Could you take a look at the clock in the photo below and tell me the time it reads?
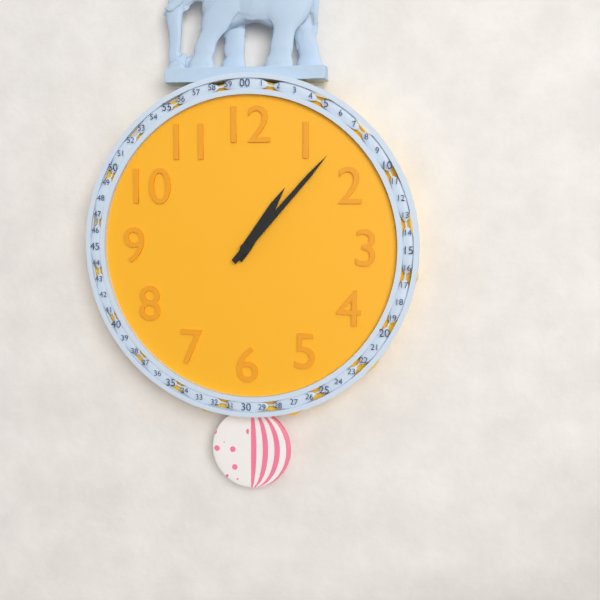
1:07
